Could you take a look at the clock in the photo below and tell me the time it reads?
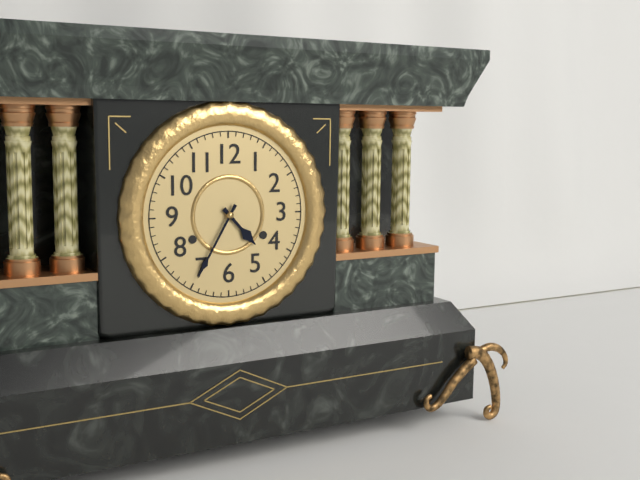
4:35
